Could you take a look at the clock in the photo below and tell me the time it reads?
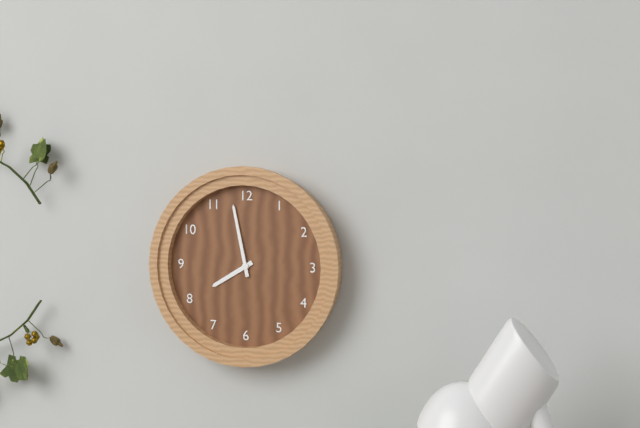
7:58
